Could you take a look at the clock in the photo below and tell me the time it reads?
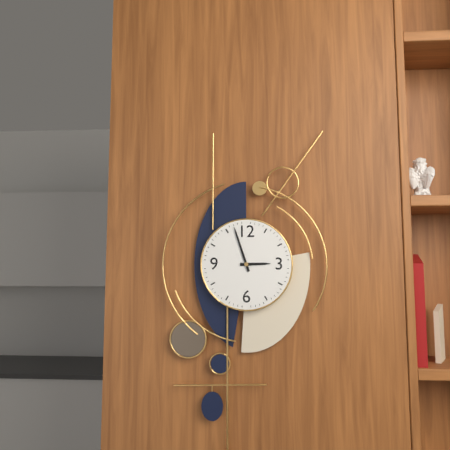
2:57
